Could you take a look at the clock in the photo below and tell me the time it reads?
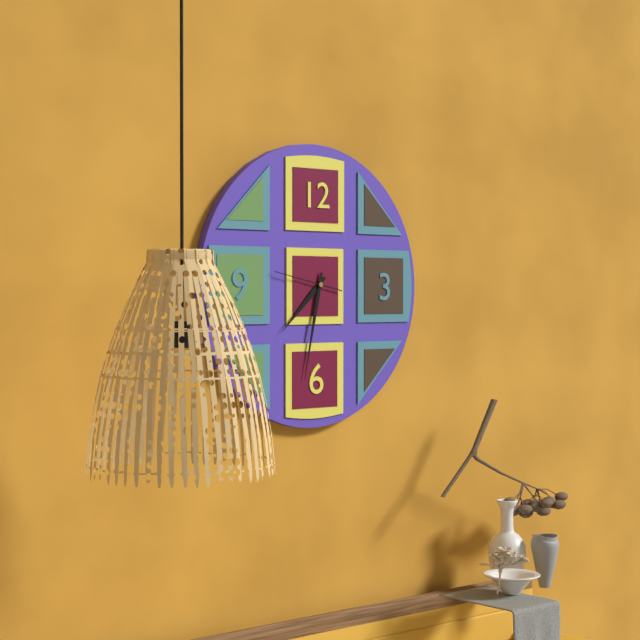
7:32:47
